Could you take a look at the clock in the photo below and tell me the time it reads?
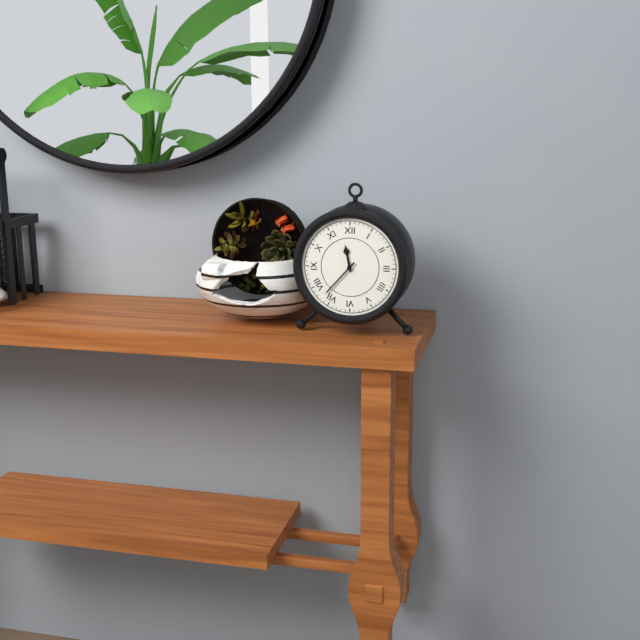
11:37
